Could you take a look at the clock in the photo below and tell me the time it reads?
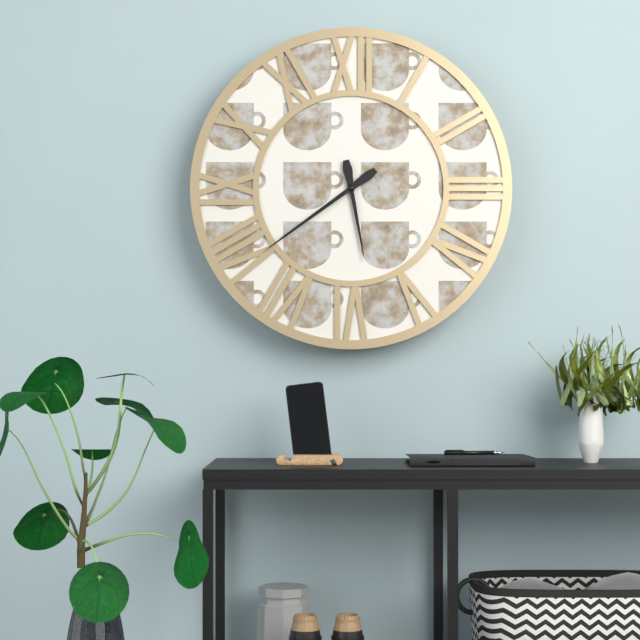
5:39
